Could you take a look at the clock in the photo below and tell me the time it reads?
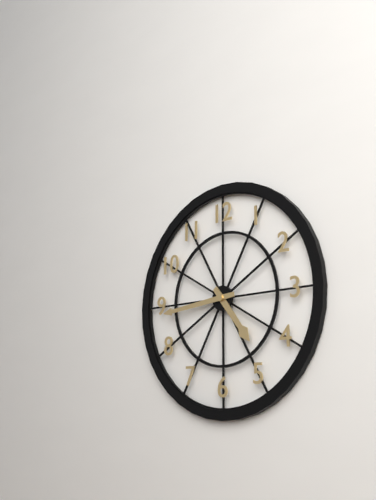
4:44
